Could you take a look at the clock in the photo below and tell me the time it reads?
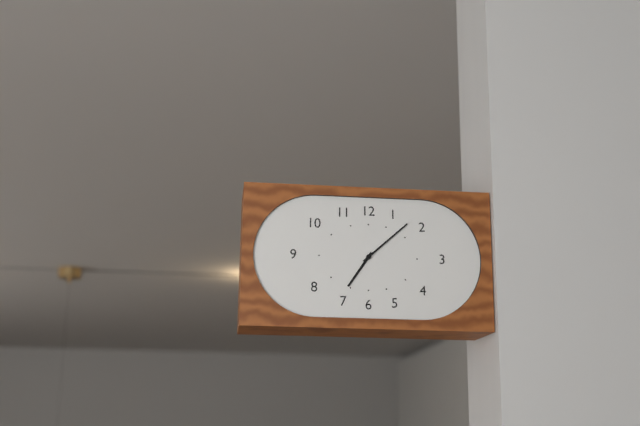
7:08
